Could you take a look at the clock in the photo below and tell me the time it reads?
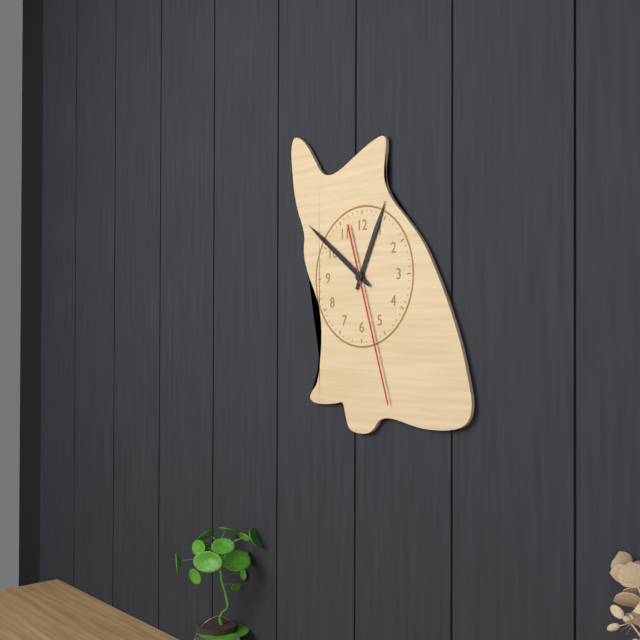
12:51:27
